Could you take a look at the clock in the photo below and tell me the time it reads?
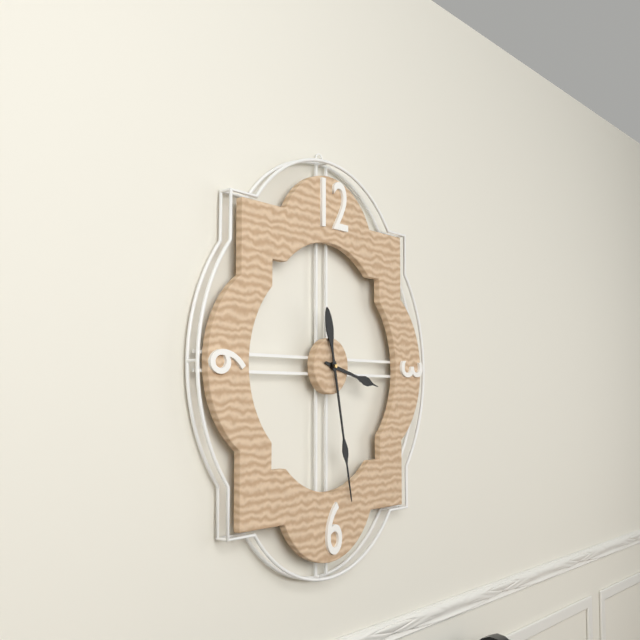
3:28
